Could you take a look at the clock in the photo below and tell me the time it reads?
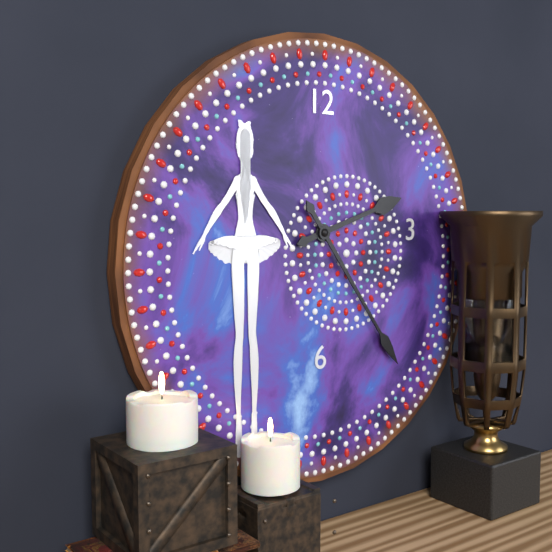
2:24
